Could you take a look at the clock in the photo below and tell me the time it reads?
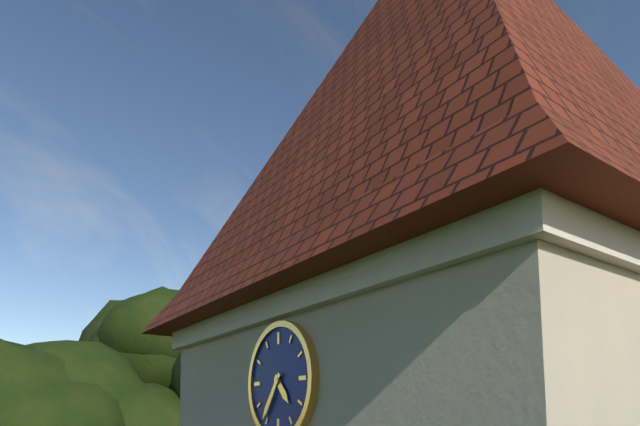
4:36
